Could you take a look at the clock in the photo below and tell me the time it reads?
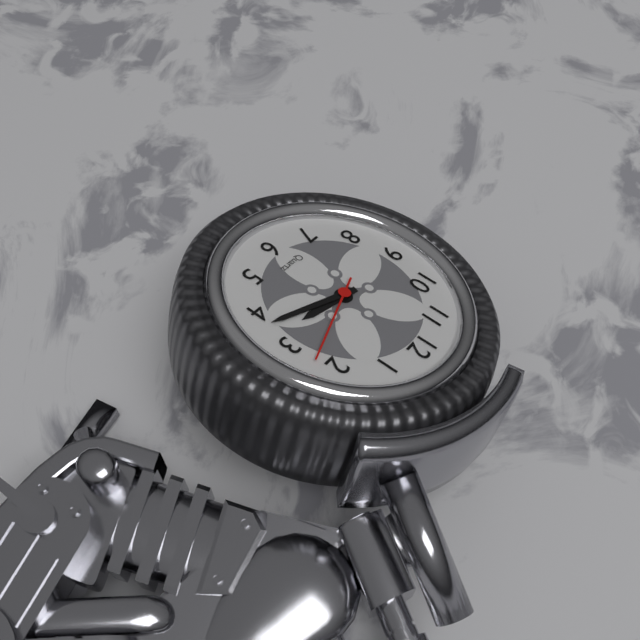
3:18
